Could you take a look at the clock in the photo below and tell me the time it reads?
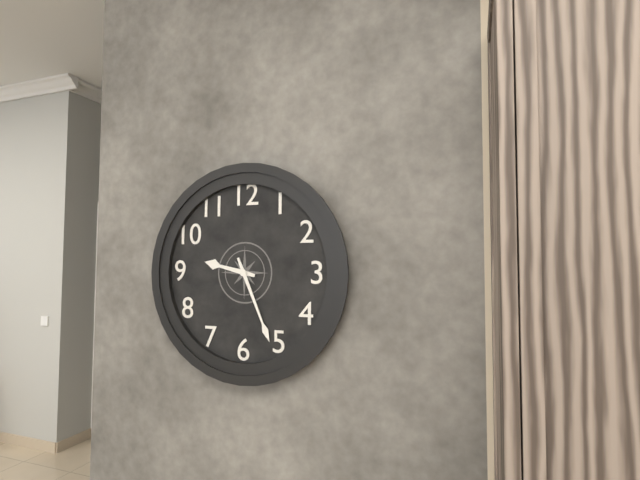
9:26
